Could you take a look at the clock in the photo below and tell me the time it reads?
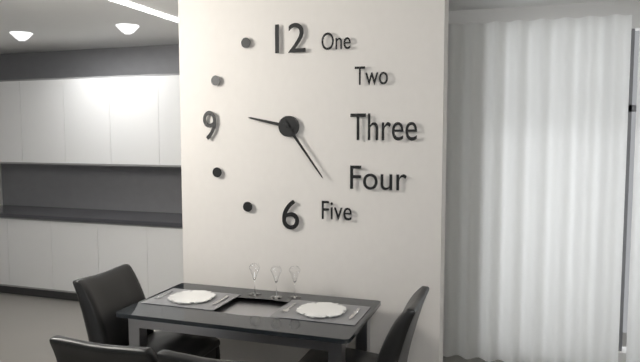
9:24
